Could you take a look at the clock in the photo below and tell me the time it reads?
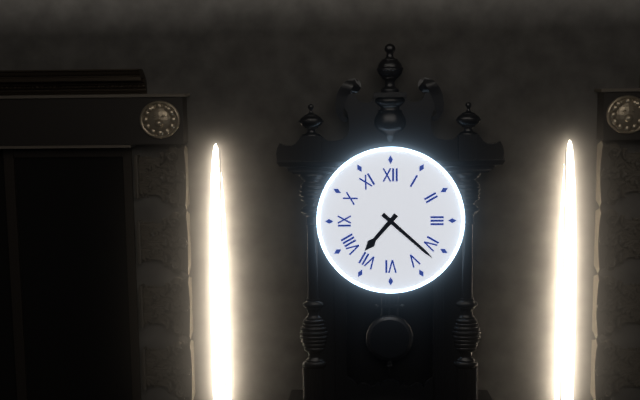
7:22
